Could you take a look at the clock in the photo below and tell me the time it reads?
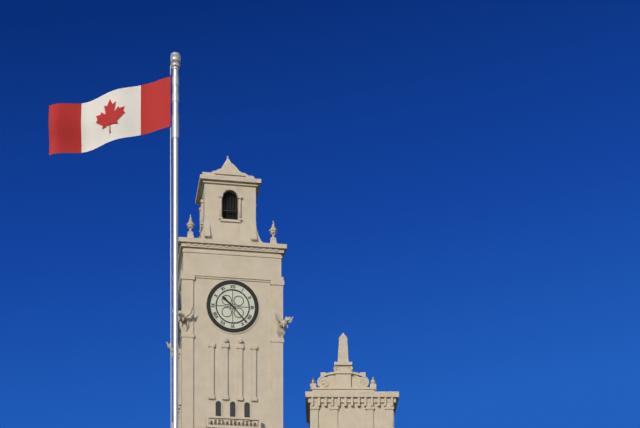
10:23
